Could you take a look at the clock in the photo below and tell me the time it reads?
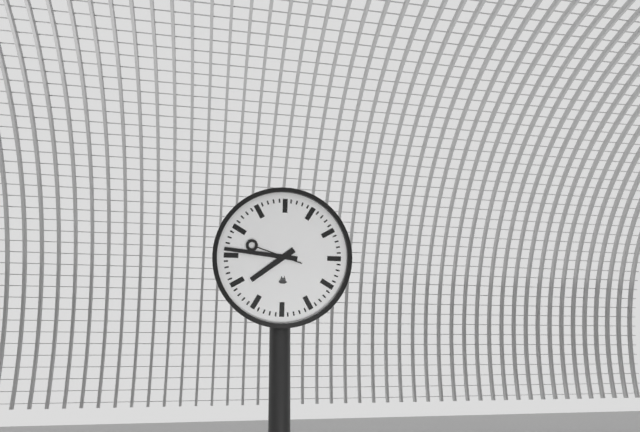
7:46
